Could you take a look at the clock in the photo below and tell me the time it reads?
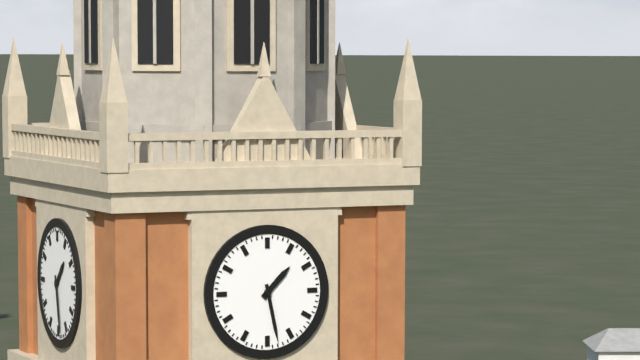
1:28
